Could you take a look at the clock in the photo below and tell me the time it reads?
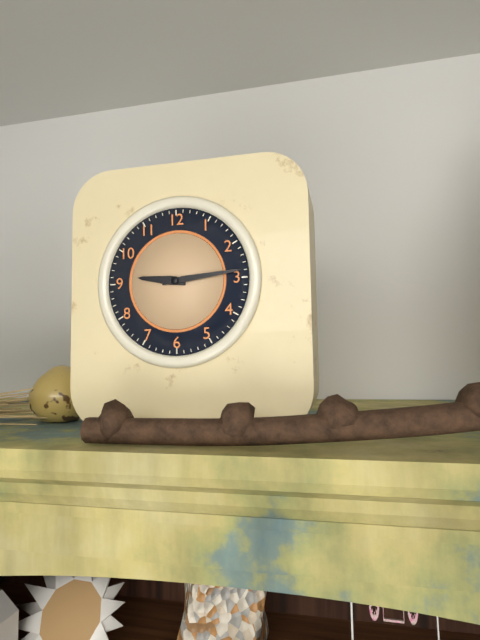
9:14
